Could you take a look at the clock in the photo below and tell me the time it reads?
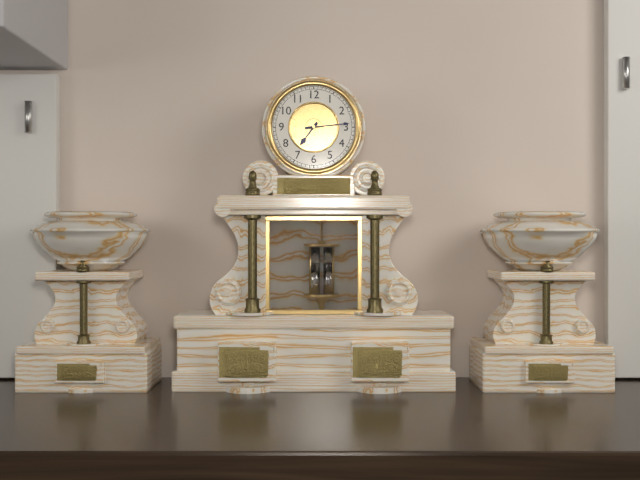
7:14
